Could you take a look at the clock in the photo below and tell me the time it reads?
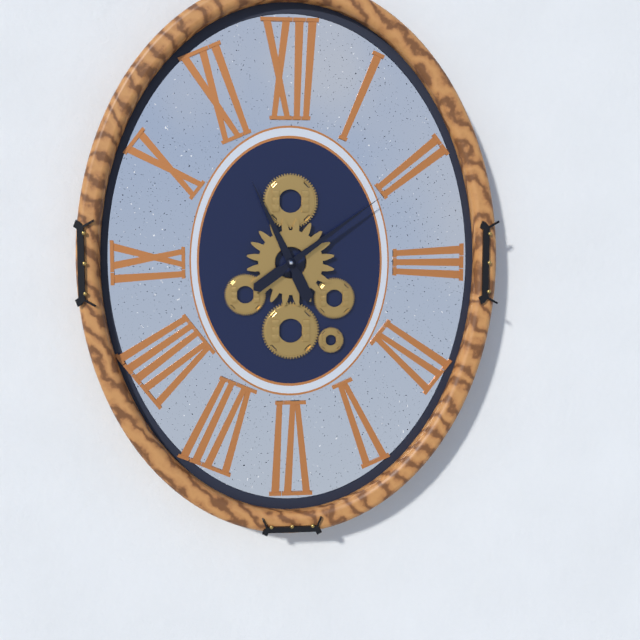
11:09
